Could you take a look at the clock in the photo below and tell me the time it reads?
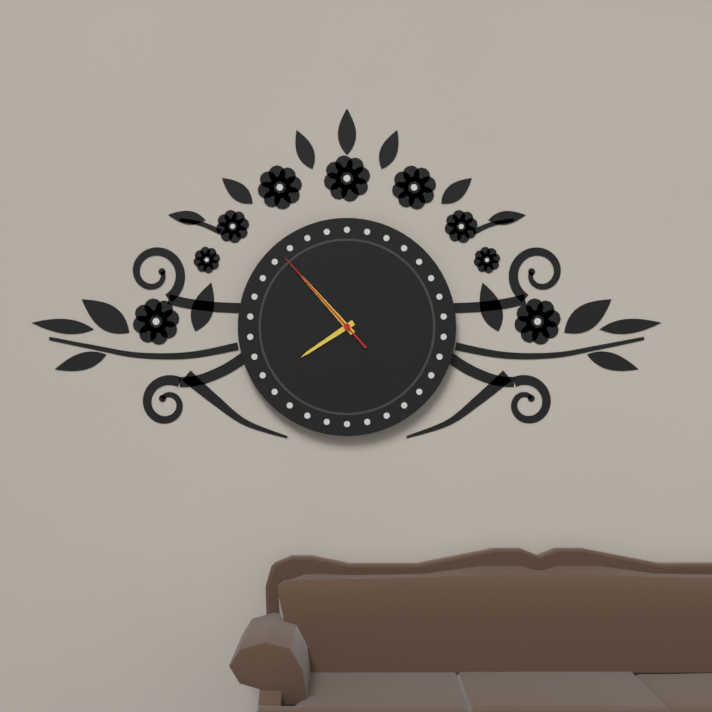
7:53:53
